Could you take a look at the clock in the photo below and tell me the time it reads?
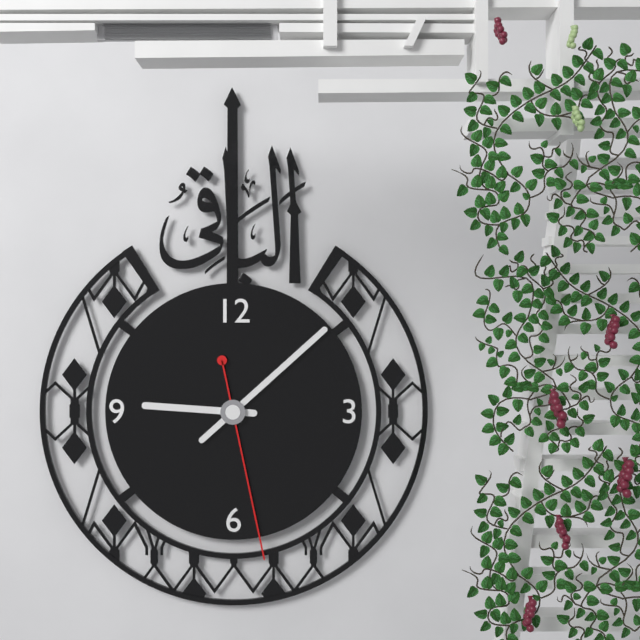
9:08:28
